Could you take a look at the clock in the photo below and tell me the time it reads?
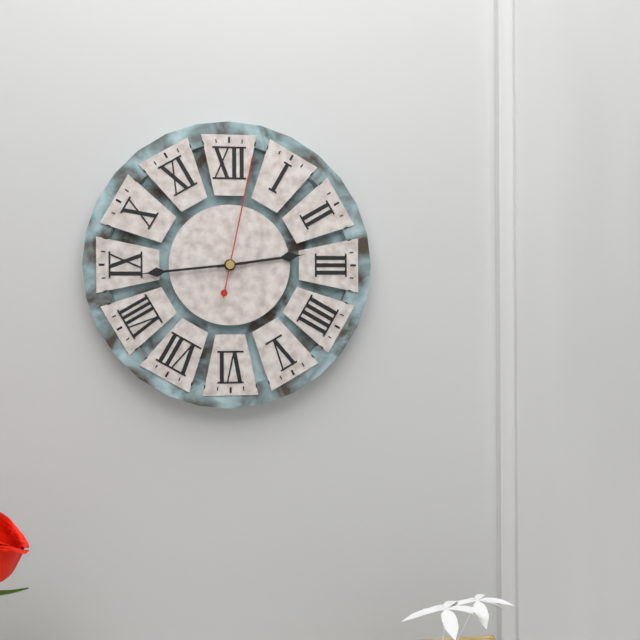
2:44:02
